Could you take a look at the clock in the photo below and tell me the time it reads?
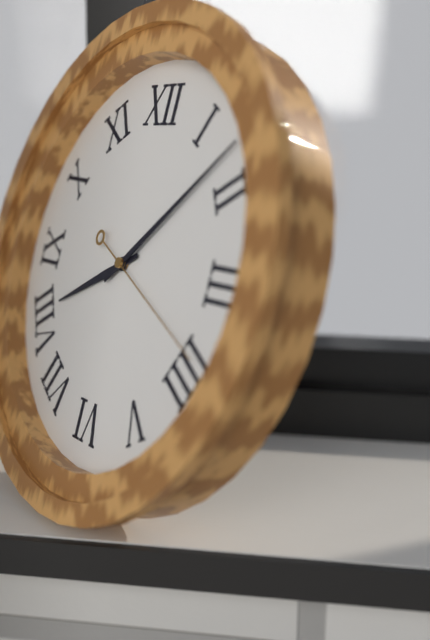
8:08:19
